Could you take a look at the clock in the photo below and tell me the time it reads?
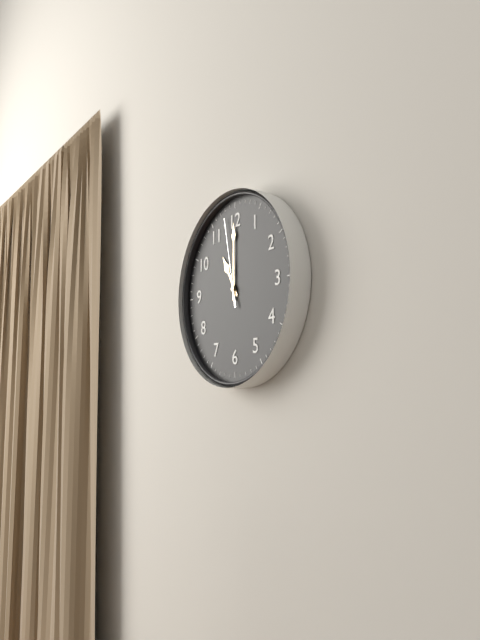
11:00:58
